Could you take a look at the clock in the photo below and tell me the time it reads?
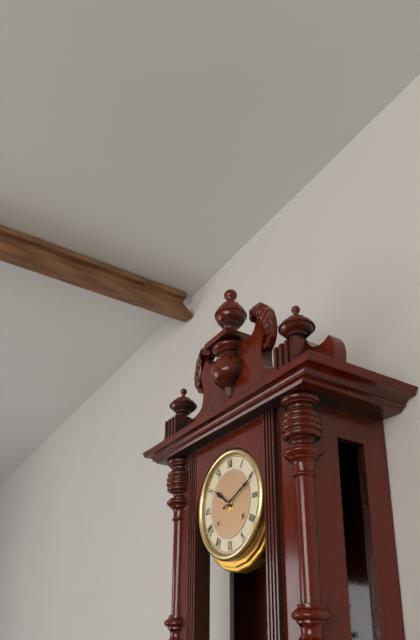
10:11
